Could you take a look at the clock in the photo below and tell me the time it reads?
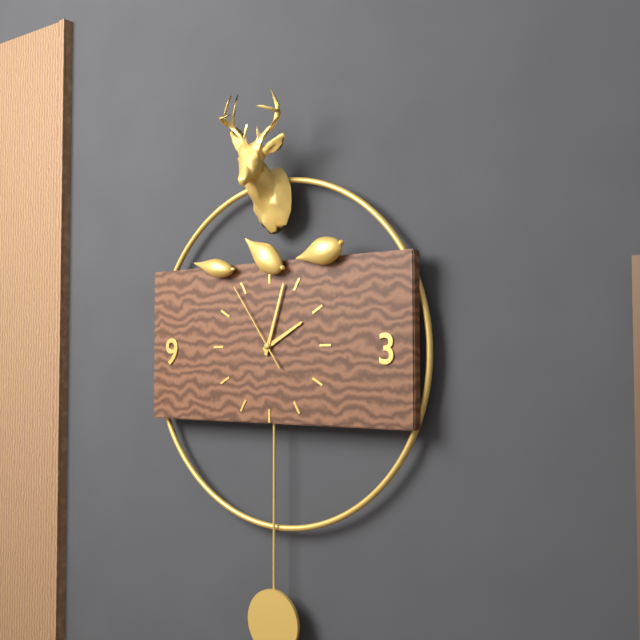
2:03:54
